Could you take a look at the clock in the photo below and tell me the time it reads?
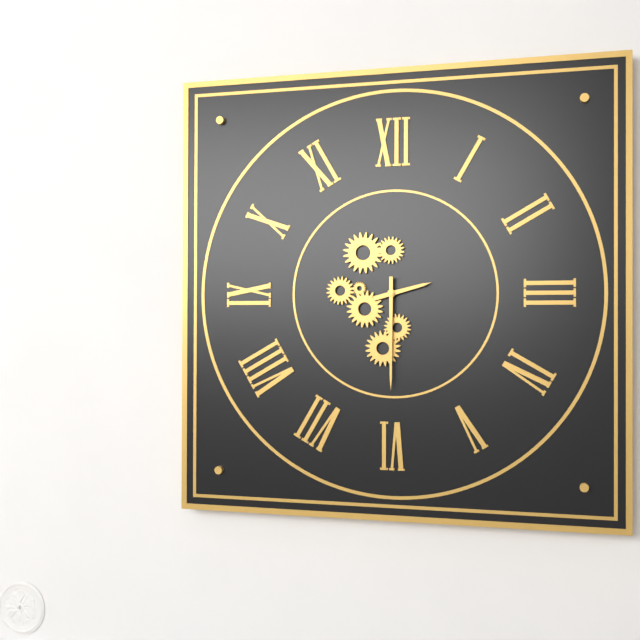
2:30
